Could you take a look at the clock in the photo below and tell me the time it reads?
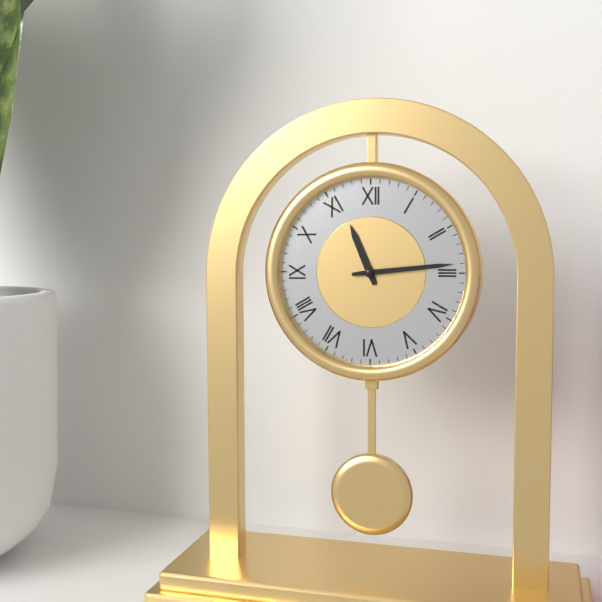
11:14
